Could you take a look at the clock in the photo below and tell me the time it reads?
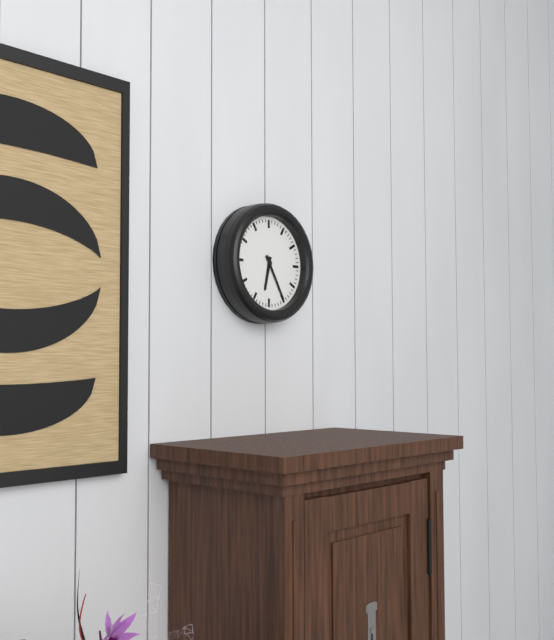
6:25
